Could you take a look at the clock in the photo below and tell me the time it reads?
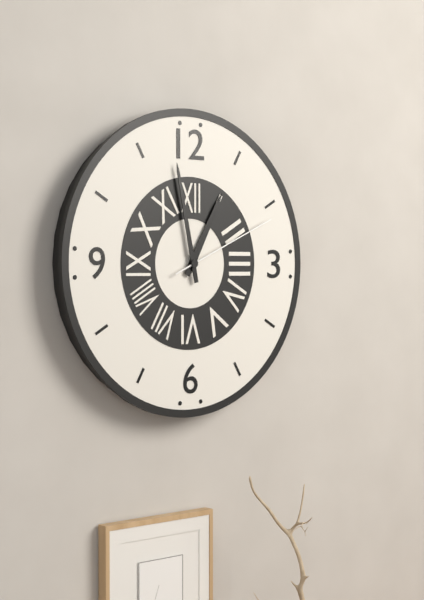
12:58:11
